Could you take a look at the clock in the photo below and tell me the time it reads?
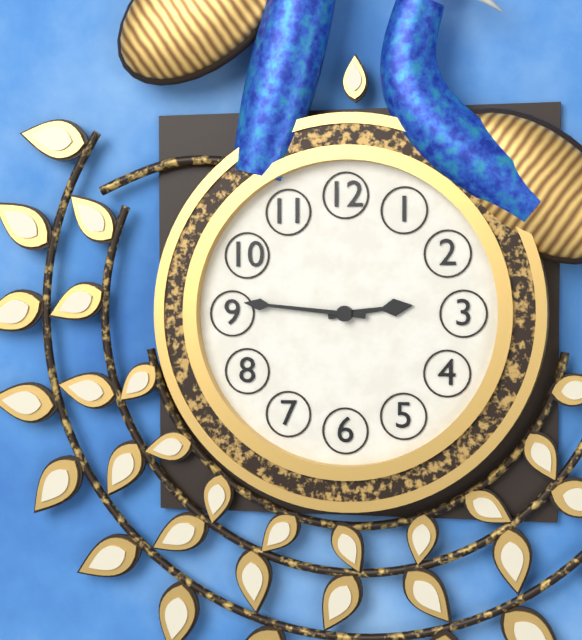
2:46
